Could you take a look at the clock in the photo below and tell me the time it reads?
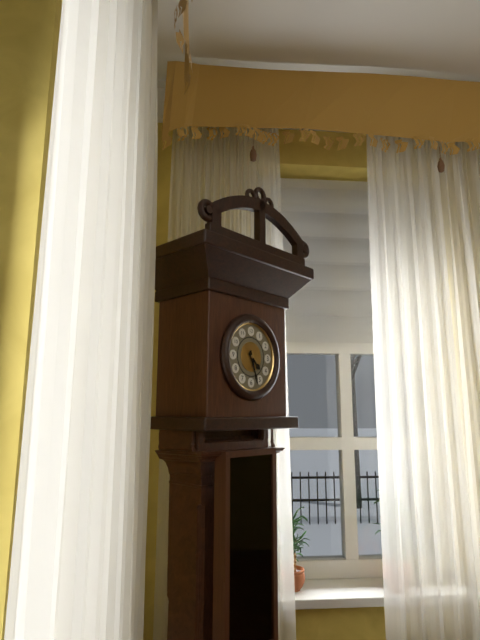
4:27
